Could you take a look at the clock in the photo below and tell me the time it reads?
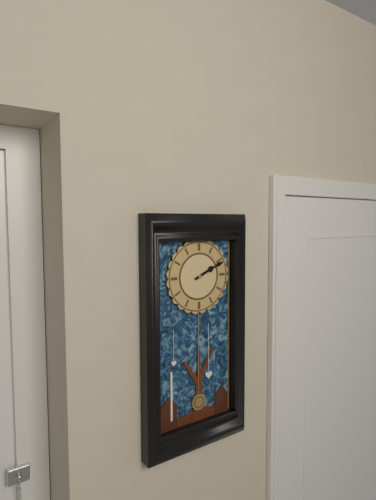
2:11
